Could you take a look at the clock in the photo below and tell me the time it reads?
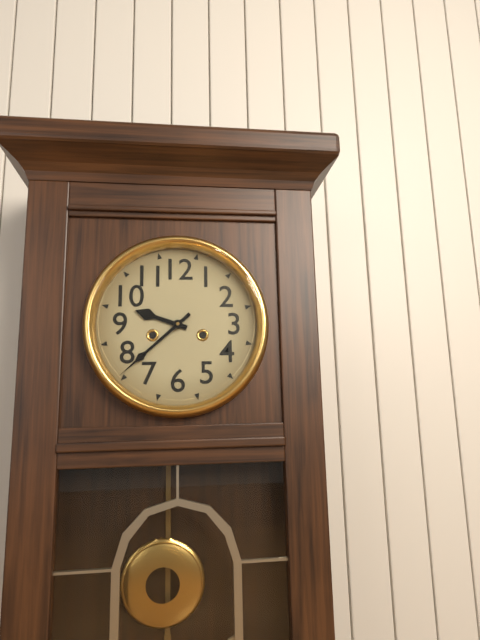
9:38
